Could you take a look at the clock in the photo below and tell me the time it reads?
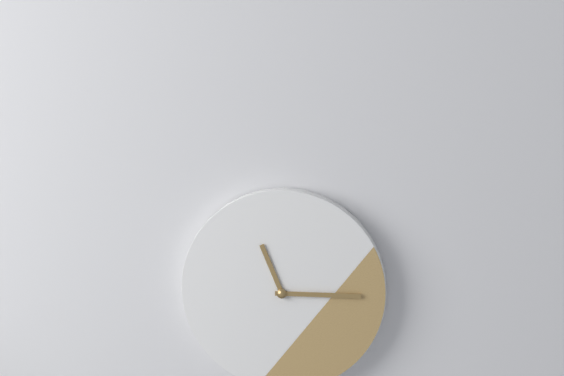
11:15
